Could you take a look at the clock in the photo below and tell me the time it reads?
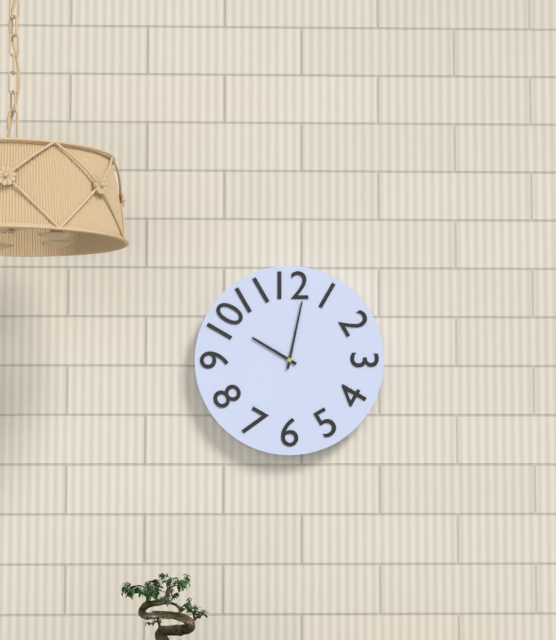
10:02
